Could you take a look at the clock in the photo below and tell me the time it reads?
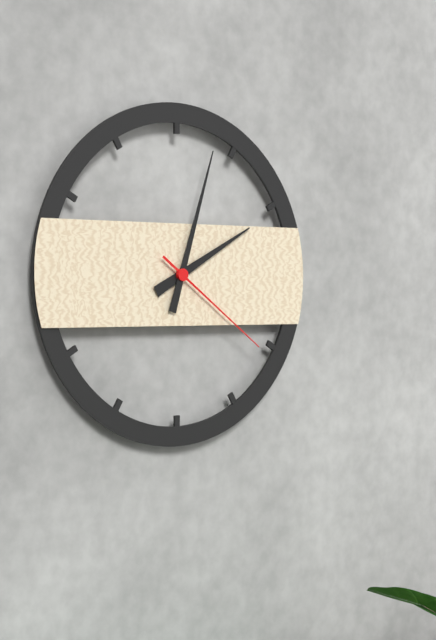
2:03:21
